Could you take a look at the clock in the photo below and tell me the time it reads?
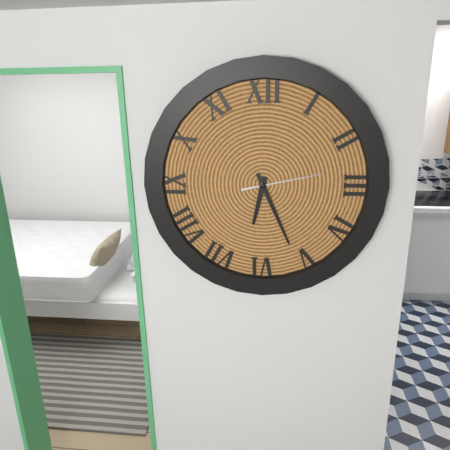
6:26:13
